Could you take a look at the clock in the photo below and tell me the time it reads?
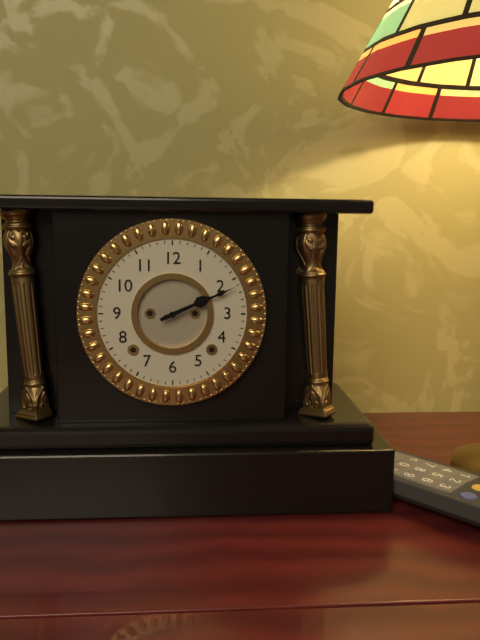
2:11
